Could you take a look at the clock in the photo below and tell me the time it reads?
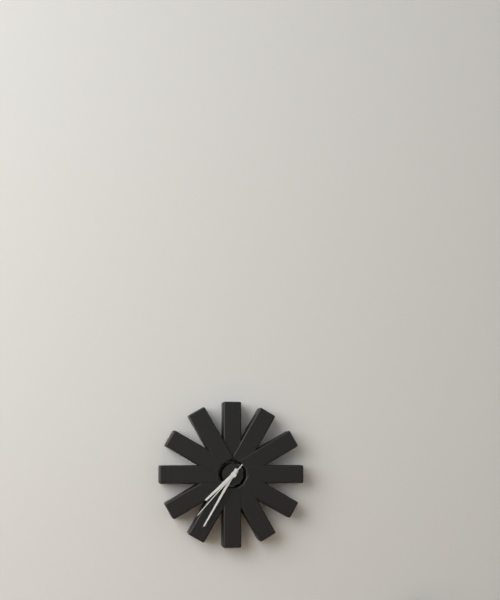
7:35:37
